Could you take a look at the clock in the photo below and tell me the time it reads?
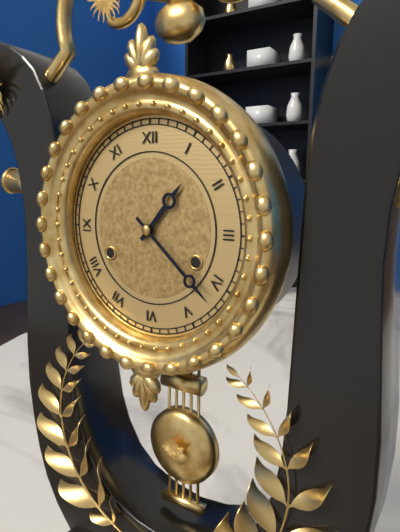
1:22
